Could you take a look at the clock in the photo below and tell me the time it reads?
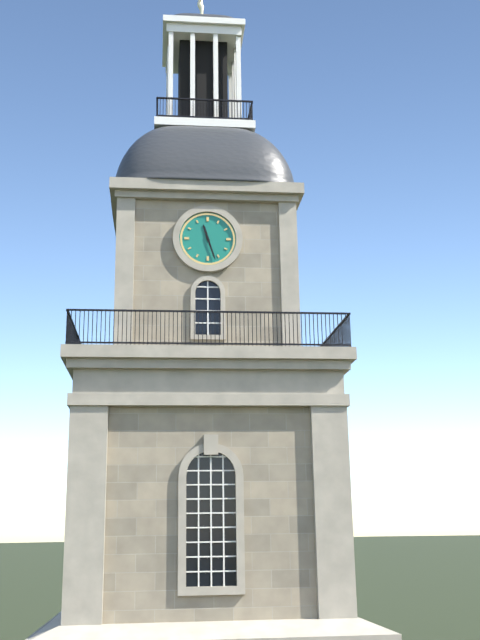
11:27
